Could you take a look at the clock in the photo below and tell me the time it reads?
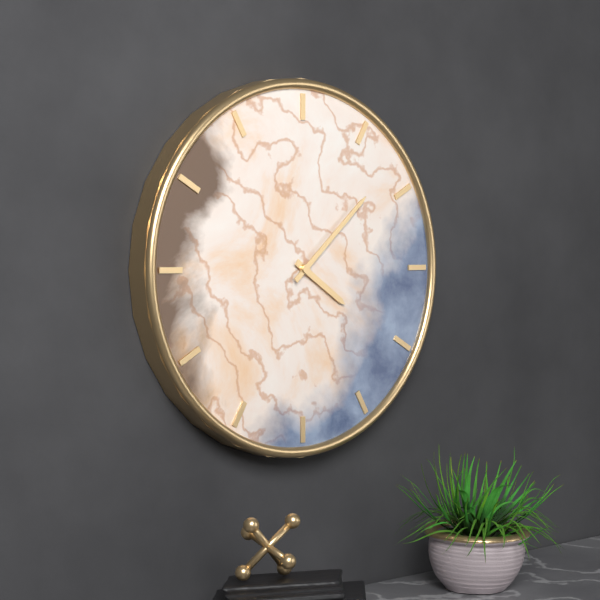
4:08
